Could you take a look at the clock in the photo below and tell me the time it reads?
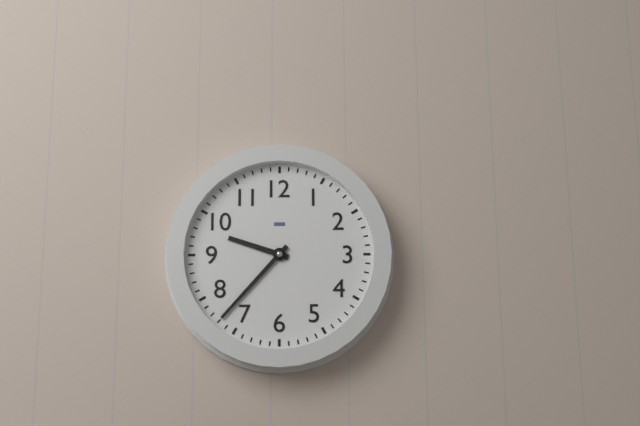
9:37
